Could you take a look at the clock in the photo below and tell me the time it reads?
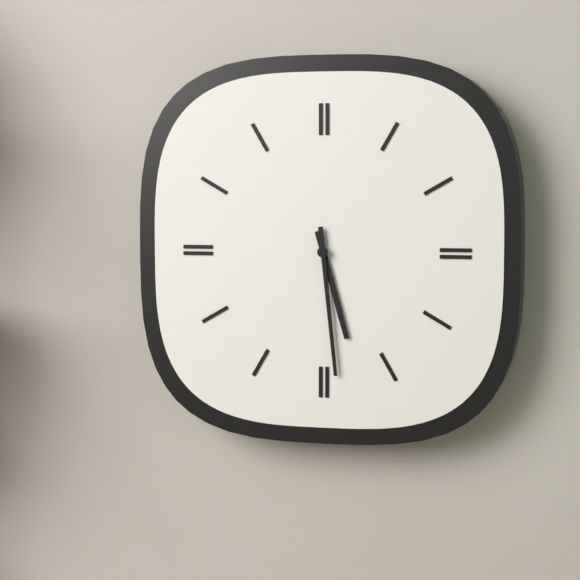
5:29
